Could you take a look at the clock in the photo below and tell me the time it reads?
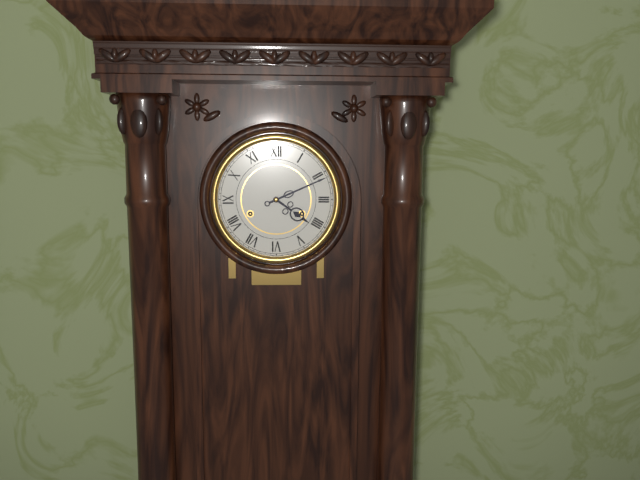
4:11
